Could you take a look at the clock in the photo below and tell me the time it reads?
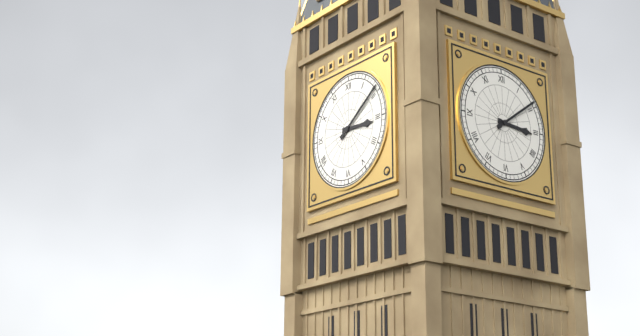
3:09
